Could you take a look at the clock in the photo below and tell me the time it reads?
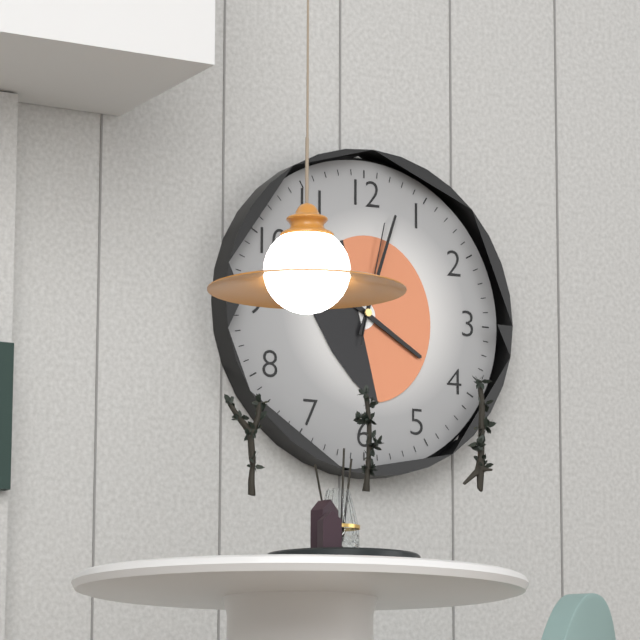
4:03:02
